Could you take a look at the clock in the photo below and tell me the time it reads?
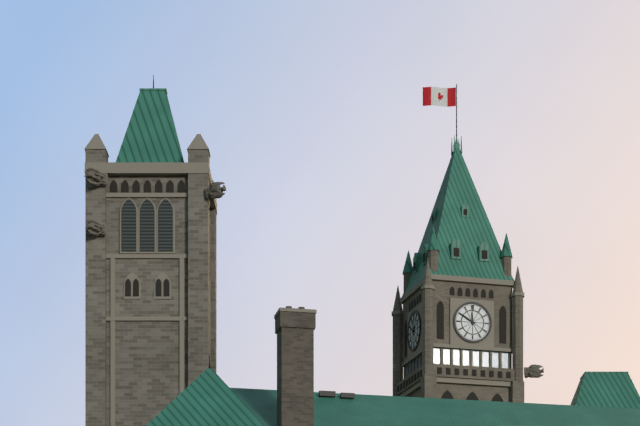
11:50
